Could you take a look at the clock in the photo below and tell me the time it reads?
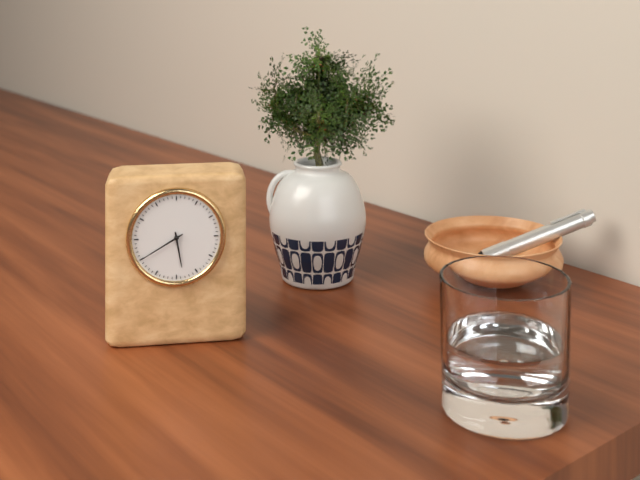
5:40
